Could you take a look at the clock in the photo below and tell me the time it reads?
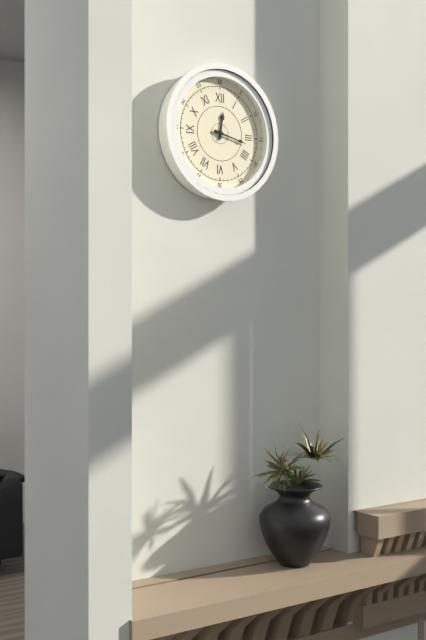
12:17
